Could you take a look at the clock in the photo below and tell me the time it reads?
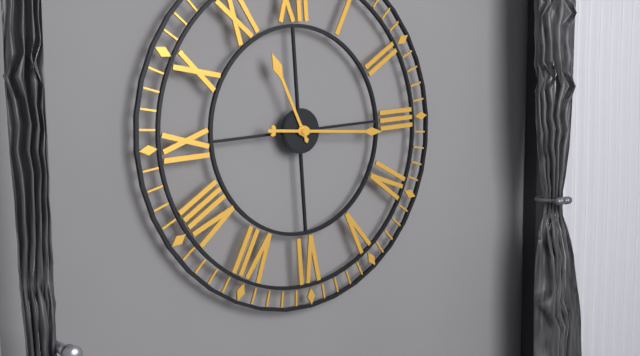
11:16
